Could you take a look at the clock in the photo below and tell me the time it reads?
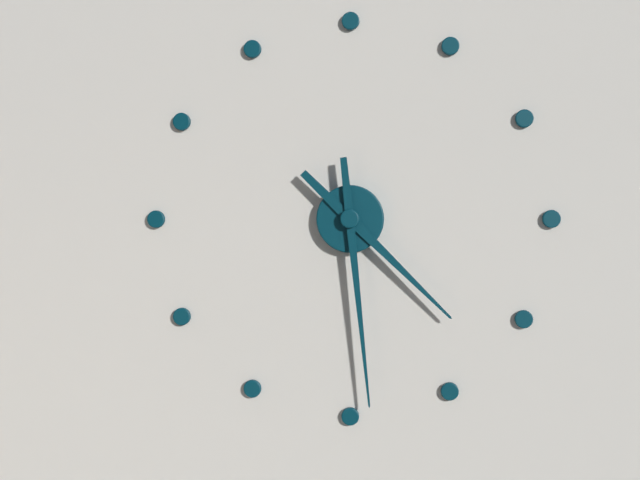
4:29
